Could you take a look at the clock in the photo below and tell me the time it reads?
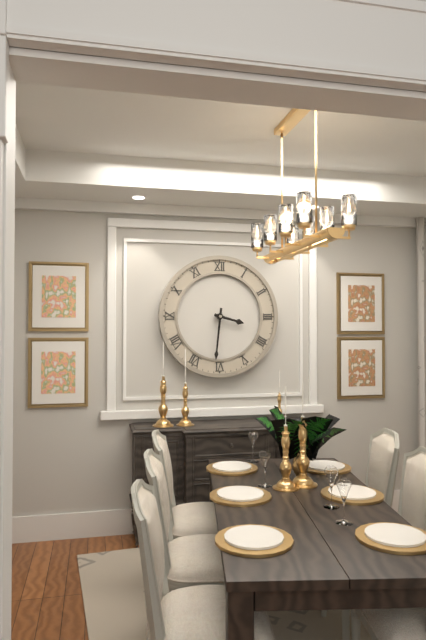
3:31
